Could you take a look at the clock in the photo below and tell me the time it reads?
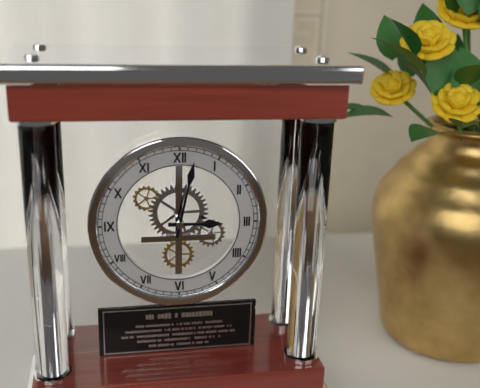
3:02
